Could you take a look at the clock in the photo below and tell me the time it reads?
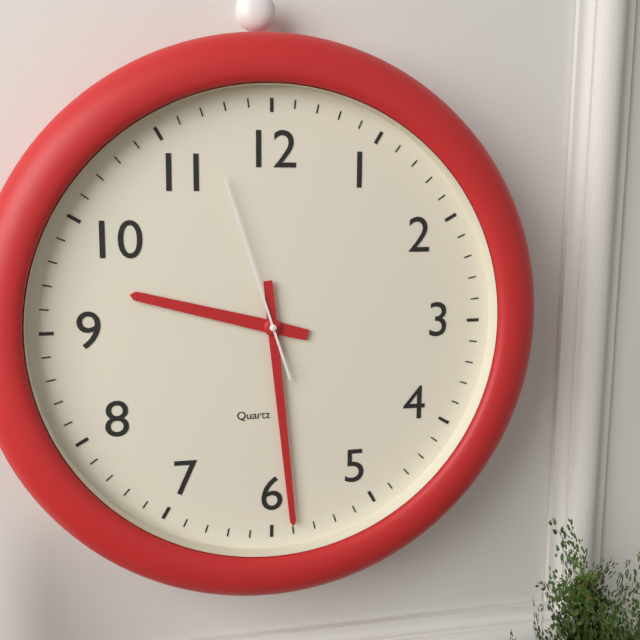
9:29:57
